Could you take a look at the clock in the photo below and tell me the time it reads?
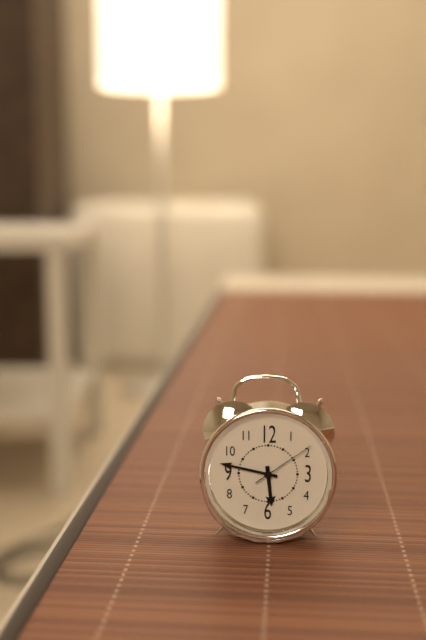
5:47:09
